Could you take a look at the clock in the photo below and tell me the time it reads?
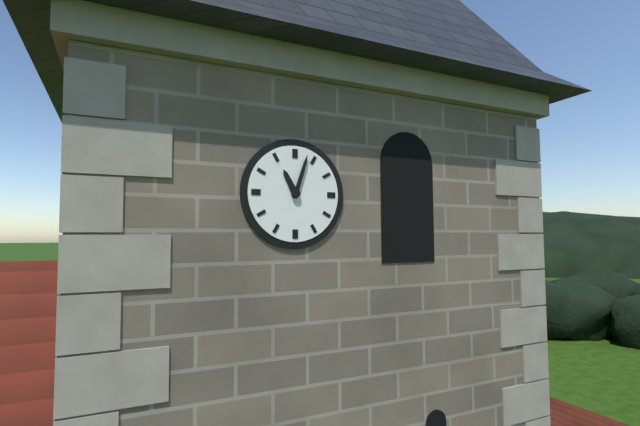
11:03
